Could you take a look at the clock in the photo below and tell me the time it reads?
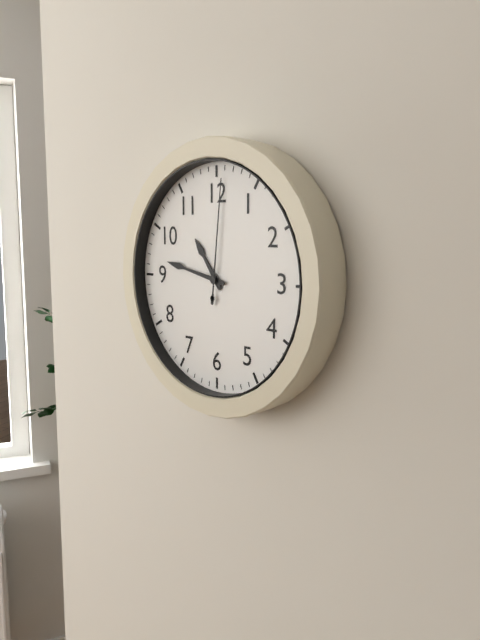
10:47:01
